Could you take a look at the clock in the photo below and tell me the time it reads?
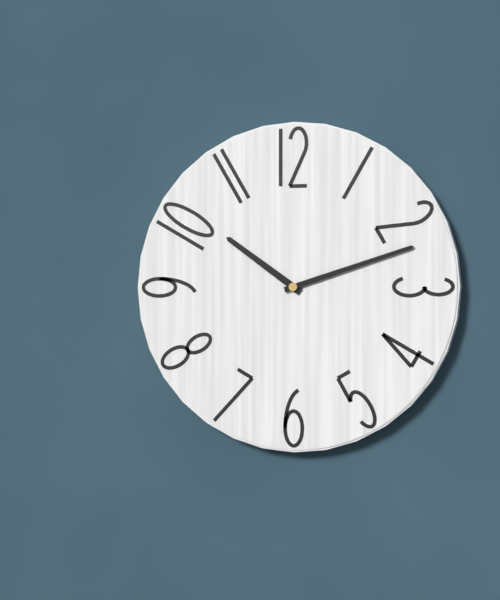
10:12
